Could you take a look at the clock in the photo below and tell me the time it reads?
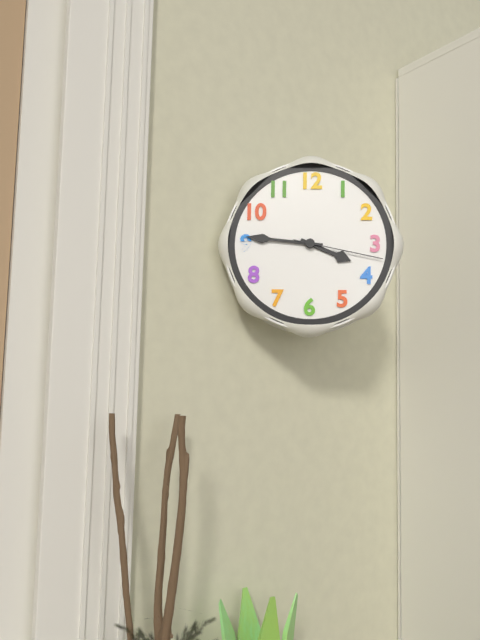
3:46:17
